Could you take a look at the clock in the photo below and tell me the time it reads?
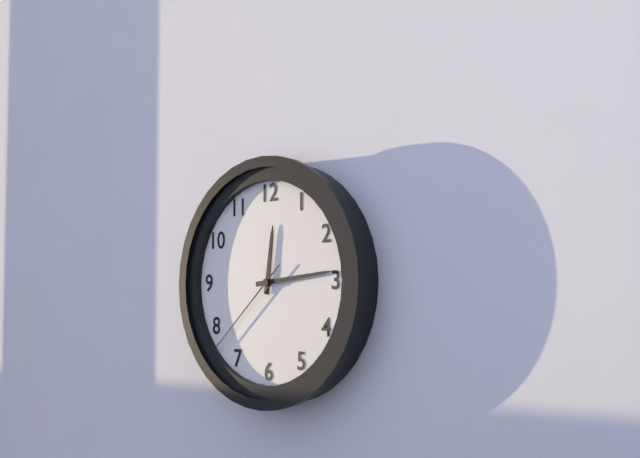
12:14:38
